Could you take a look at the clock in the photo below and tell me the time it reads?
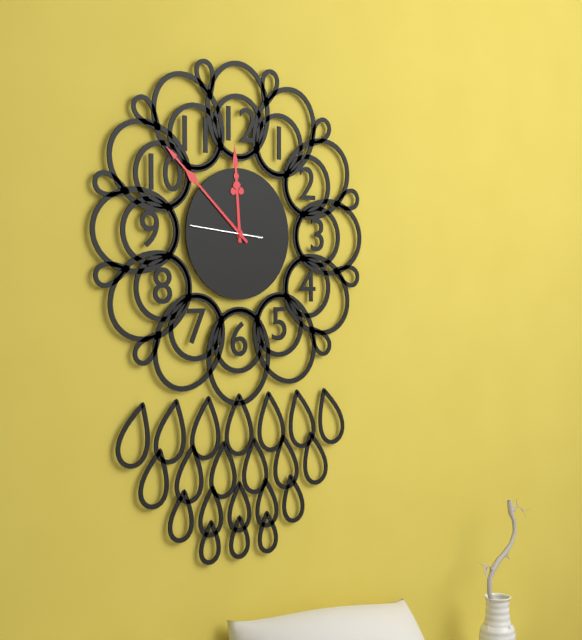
11:52:46
